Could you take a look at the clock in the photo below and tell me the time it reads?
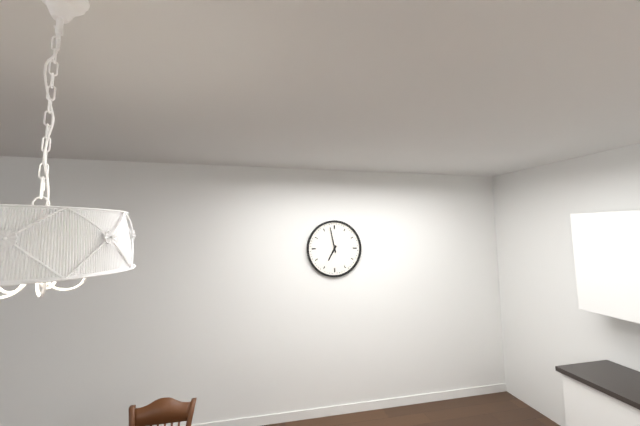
6:58
